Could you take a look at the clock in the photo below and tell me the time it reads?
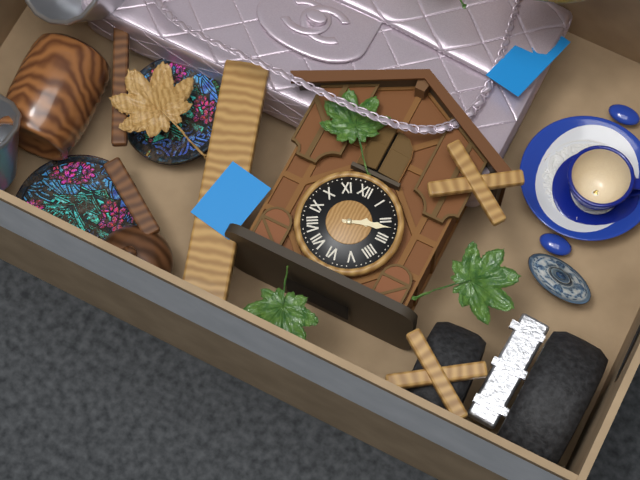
2:12
